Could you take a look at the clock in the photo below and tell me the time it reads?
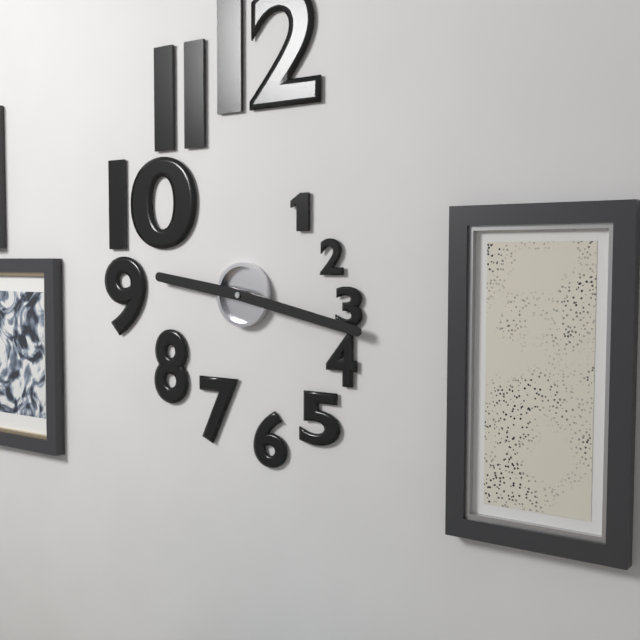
9:17
